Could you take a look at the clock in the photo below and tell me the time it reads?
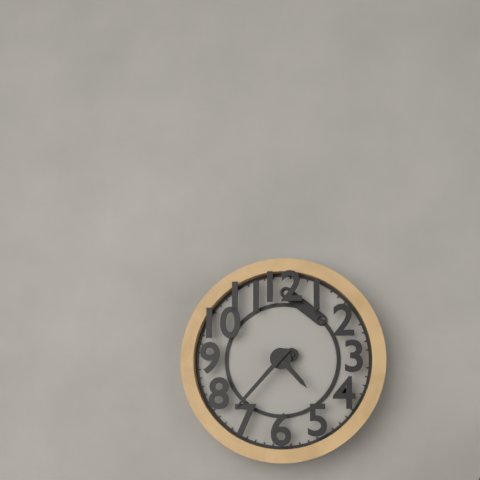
4:37
